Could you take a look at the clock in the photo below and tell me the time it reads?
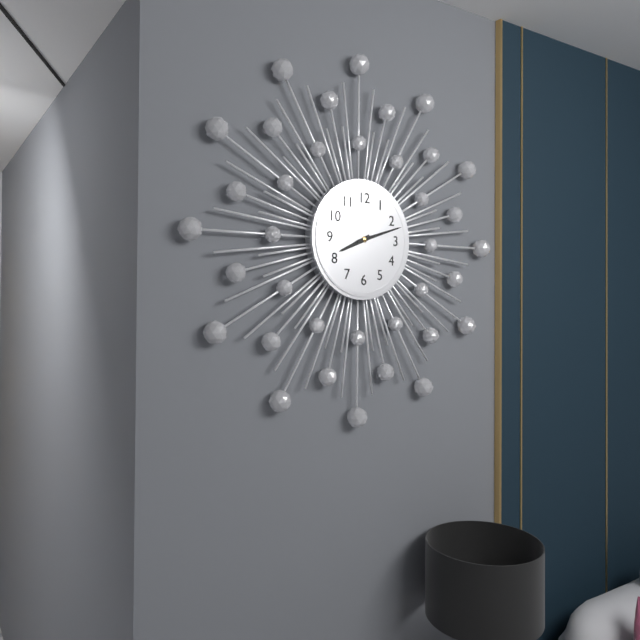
8:12
